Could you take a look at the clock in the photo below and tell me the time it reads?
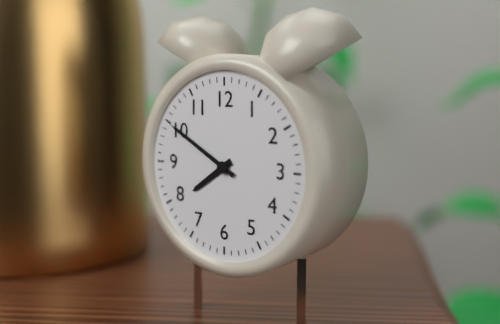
7:50
